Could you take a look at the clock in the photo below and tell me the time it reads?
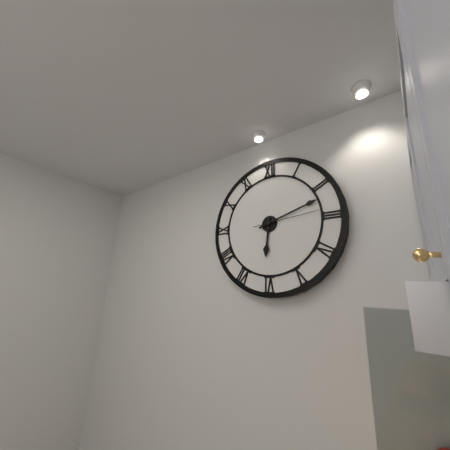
6:12:14
